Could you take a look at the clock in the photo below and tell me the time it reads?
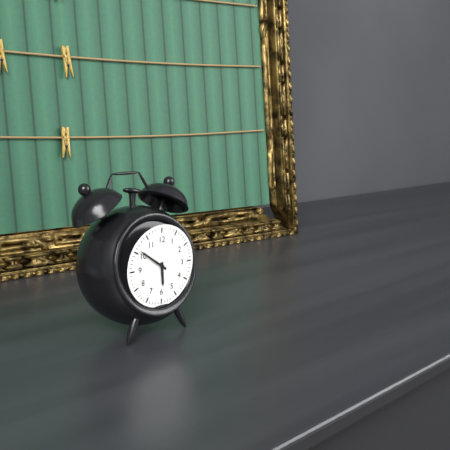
5:51
